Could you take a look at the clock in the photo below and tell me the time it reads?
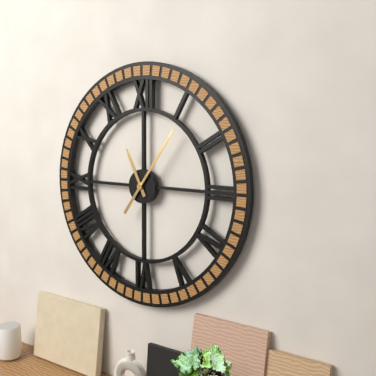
11:06
